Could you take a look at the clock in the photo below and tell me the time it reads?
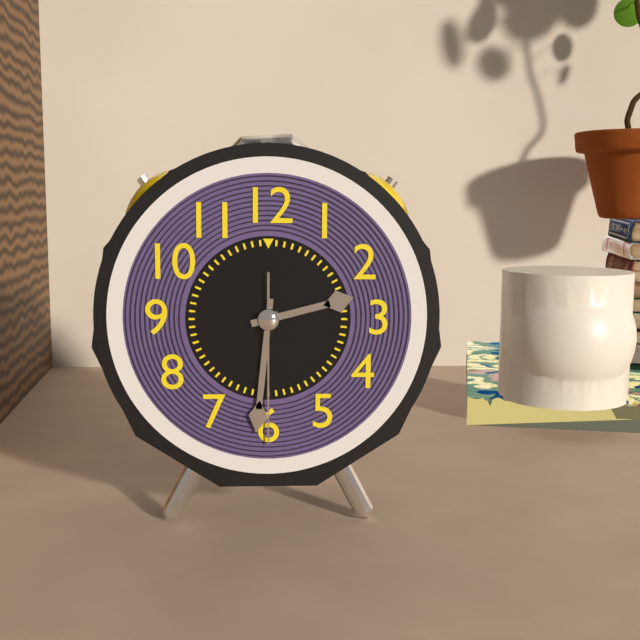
2:31:30
